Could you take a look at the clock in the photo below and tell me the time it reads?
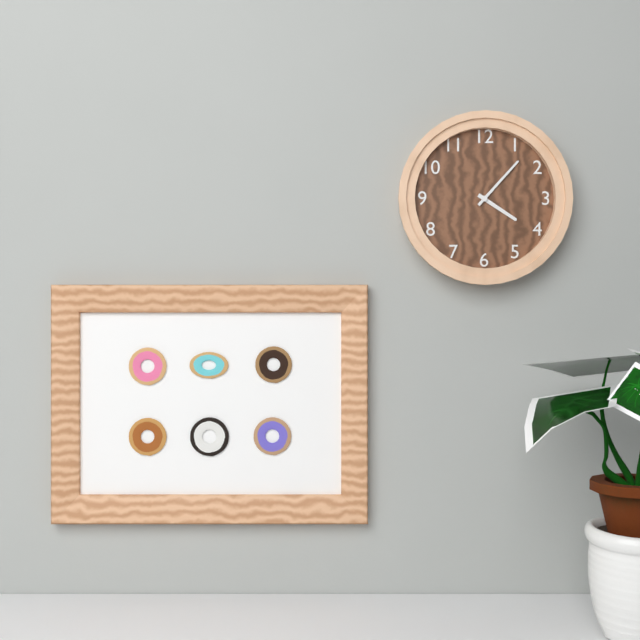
4:07
